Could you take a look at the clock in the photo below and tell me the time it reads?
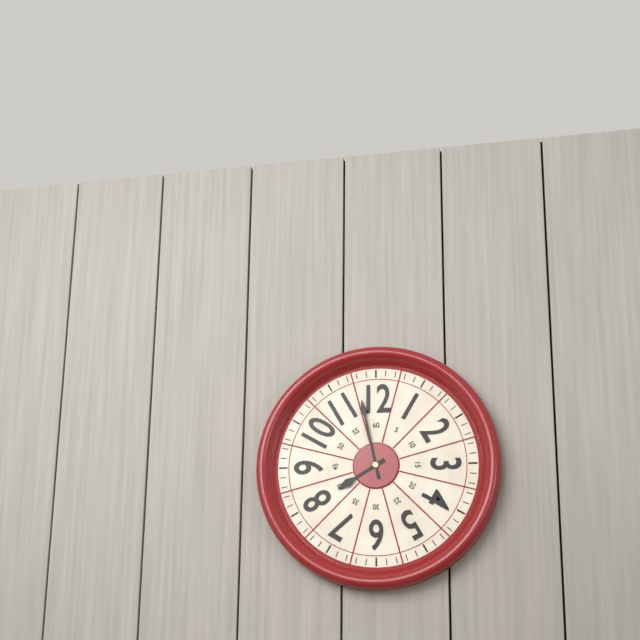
7:58
